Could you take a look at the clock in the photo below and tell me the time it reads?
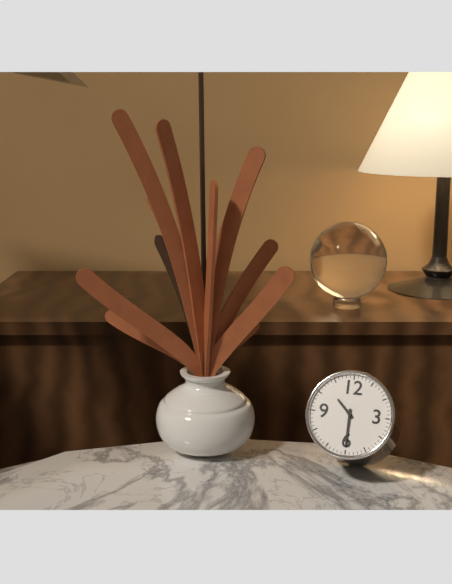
10:30
